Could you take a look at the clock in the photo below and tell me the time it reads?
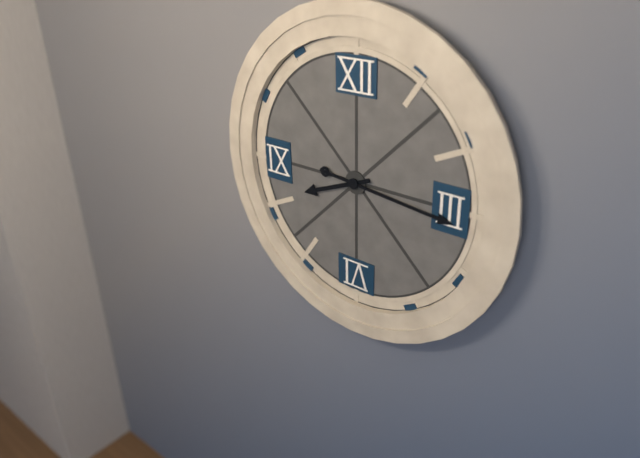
8:16
